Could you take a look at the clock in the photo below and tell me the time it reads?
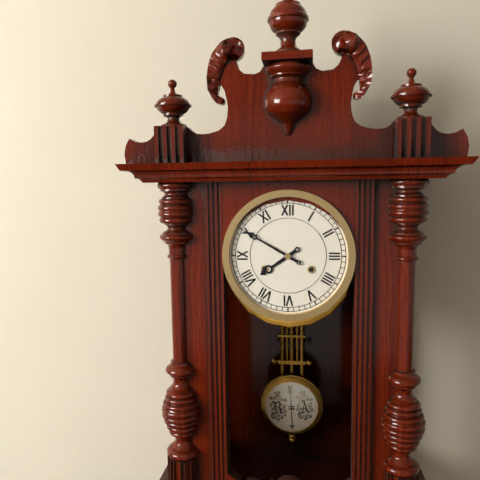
7:50
